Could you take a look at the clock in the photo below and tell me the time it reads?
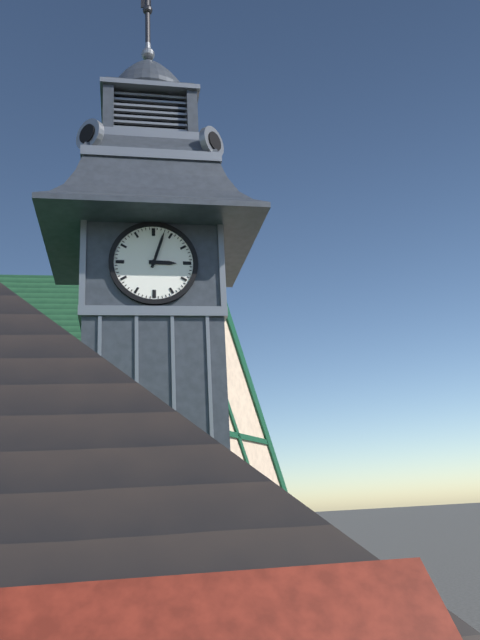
3:03
